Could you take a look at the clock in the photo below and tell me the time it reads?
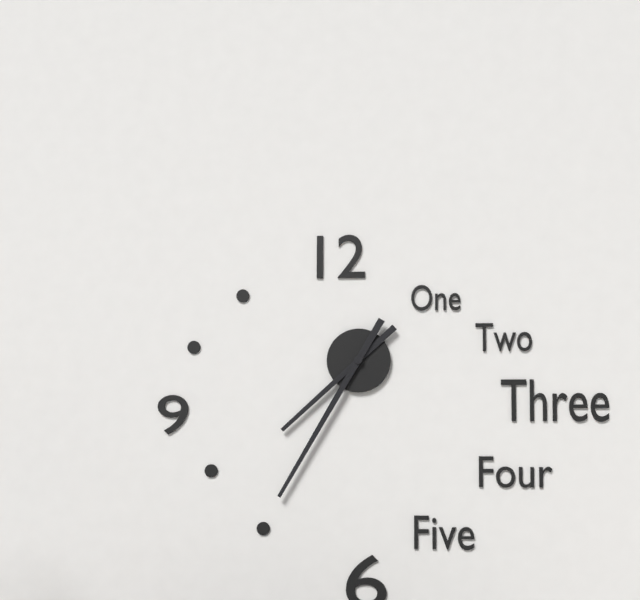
7:35
